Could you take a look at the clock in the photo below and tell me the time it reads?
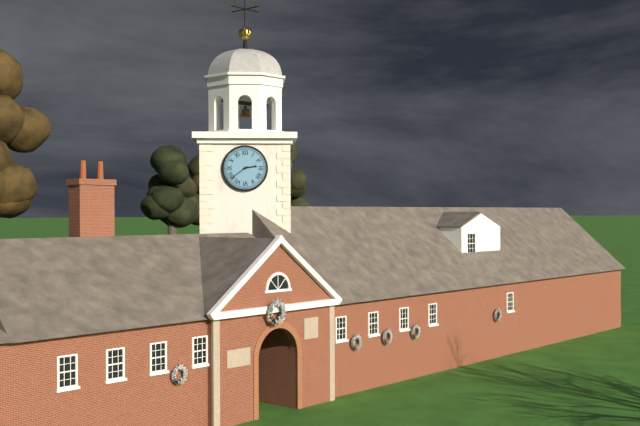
2:39
